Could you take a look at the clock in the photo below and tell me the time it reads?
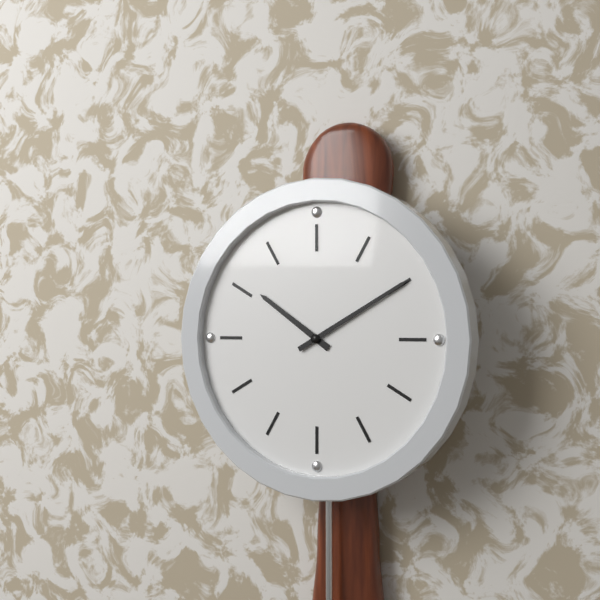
10:10
